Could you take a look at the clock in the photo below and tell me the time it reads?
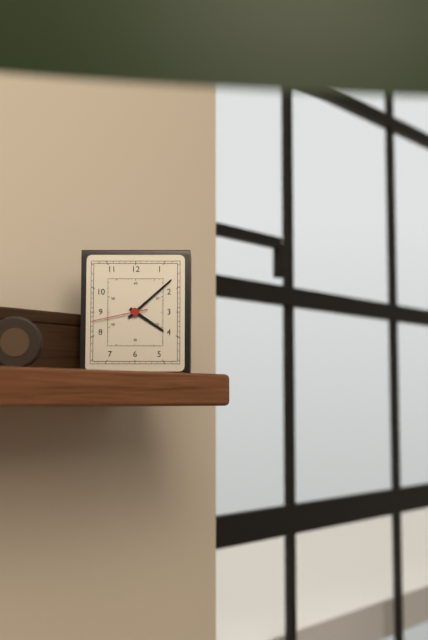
4:08:43
